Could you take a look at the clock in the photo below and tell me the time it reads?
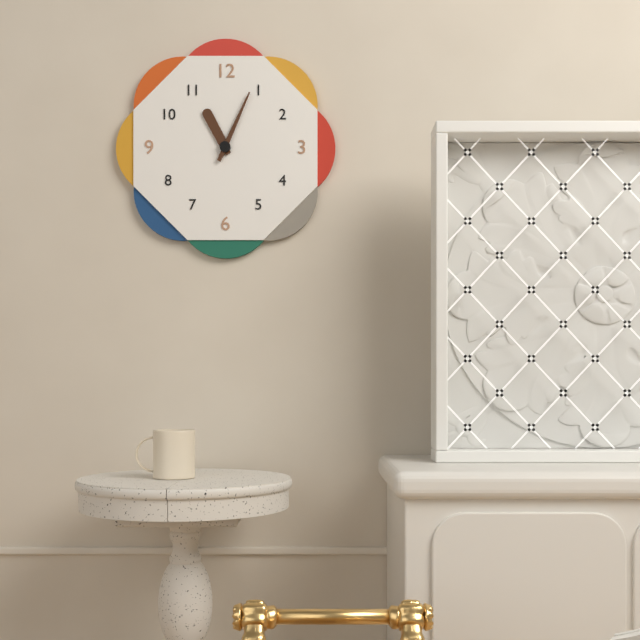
11:04
